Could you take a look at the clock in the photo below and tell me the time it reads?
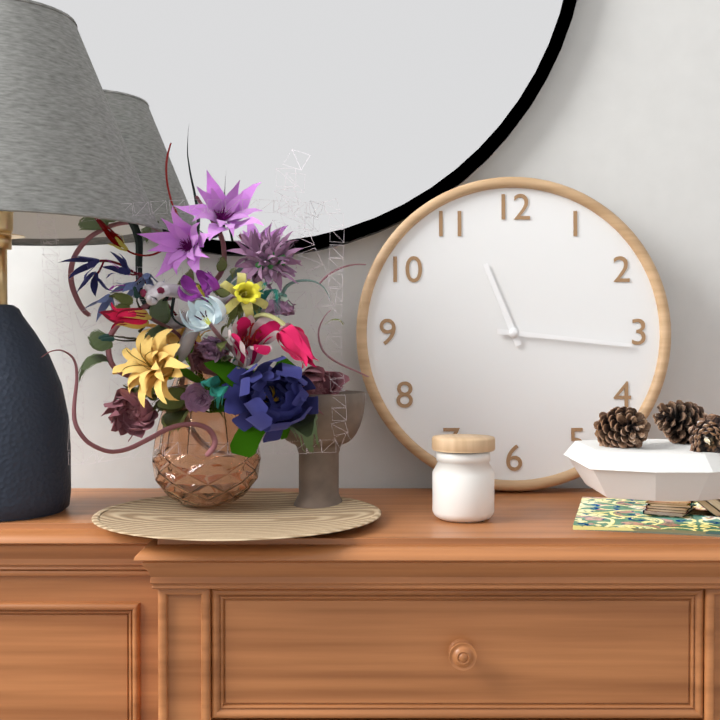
11:16
